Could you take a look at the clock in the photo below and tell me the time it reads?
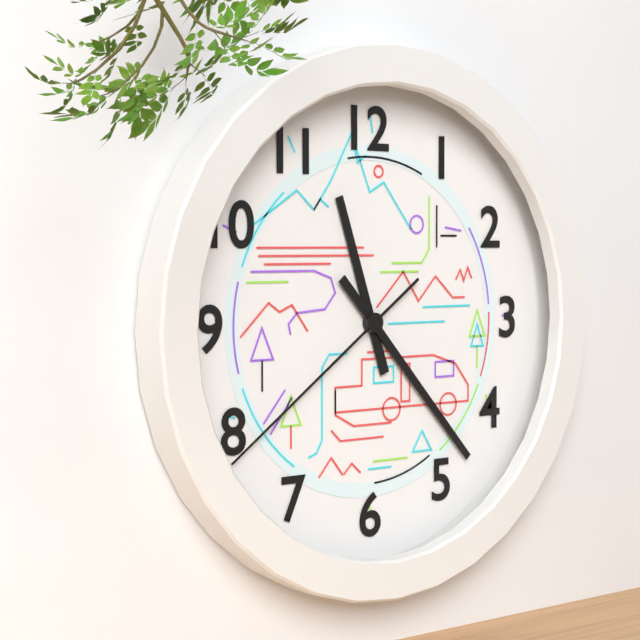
11:23:39
